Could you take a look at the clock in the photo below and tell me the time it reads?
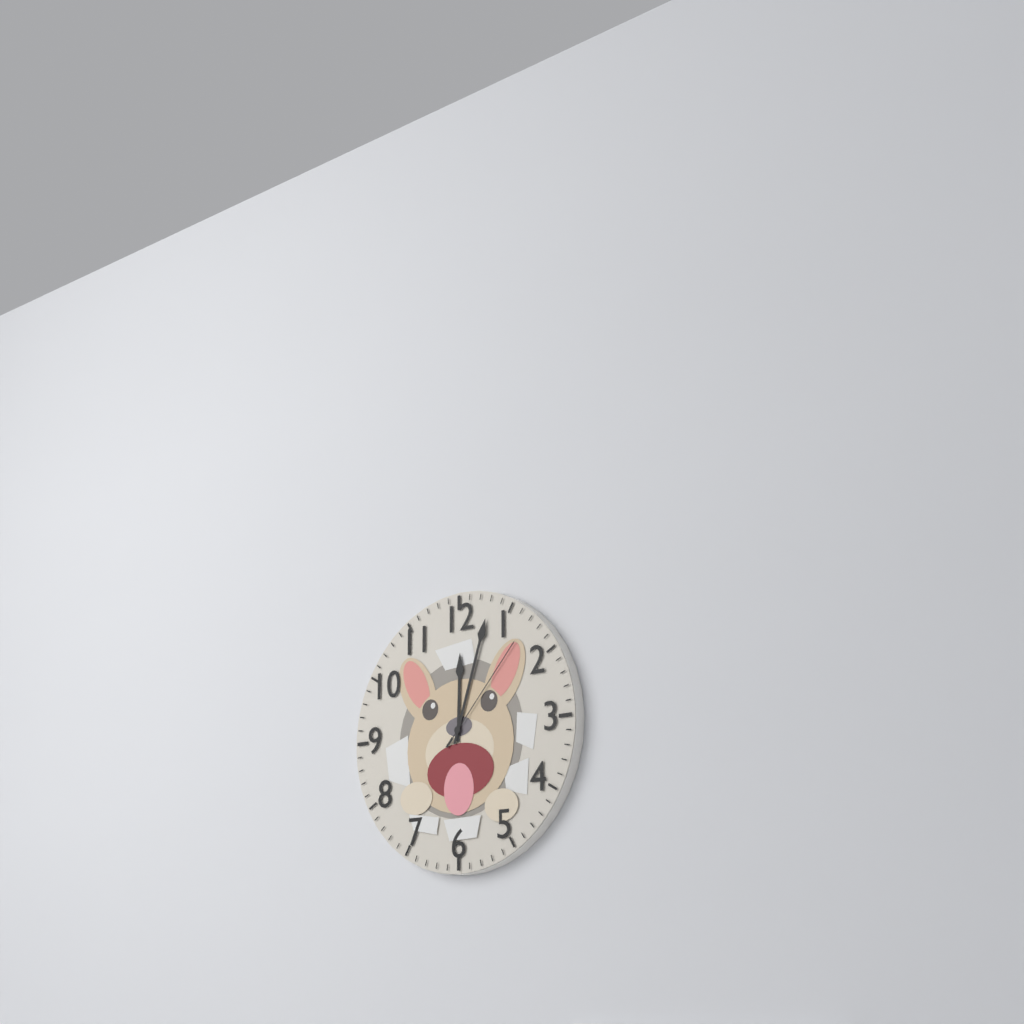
12:03:07
